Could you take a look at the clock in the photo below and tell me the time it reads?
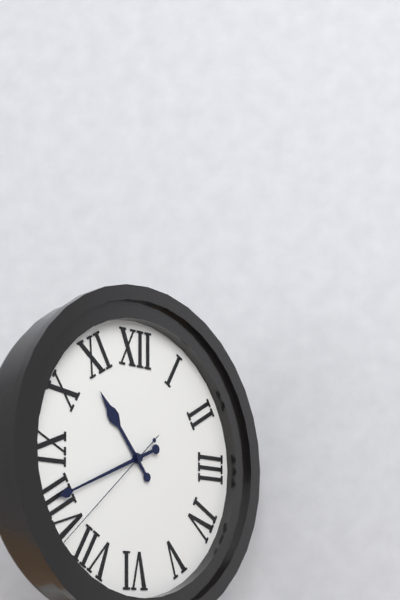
10:41:38
